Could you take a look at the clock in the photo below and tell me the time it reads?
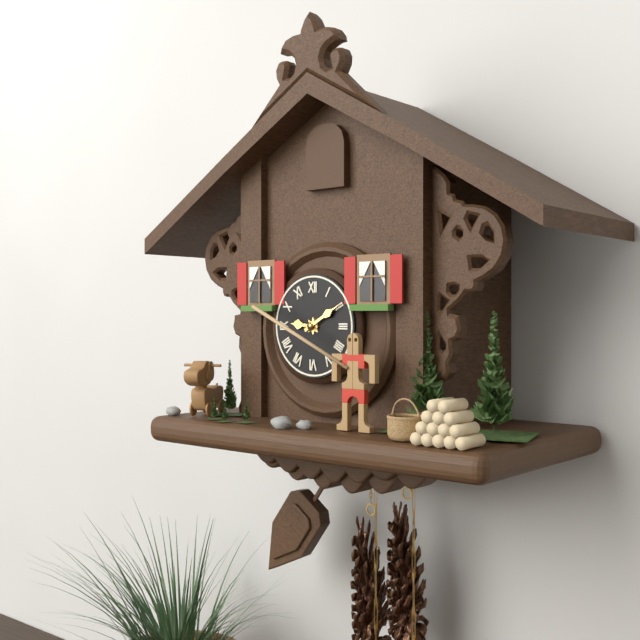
9:10
